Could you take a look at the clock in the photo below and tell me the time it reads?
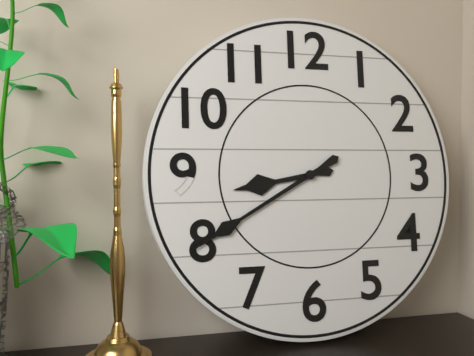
8:40
